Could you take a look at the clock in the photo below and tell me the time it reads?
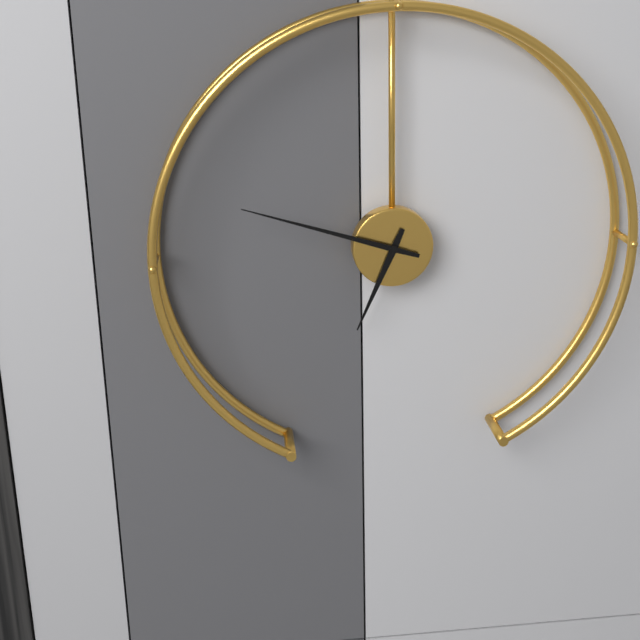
6:48
